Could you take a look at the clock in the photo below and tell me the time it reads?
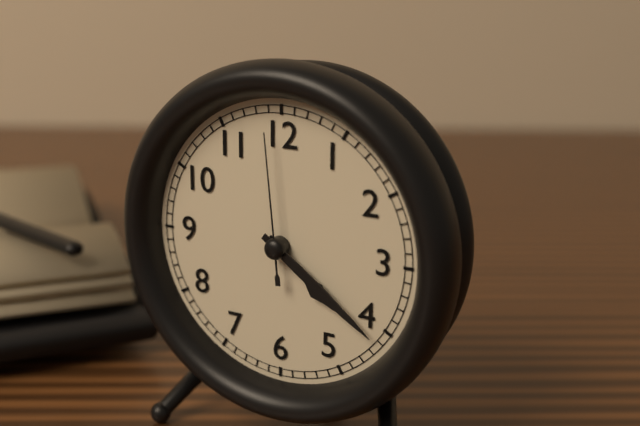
4:21:59
